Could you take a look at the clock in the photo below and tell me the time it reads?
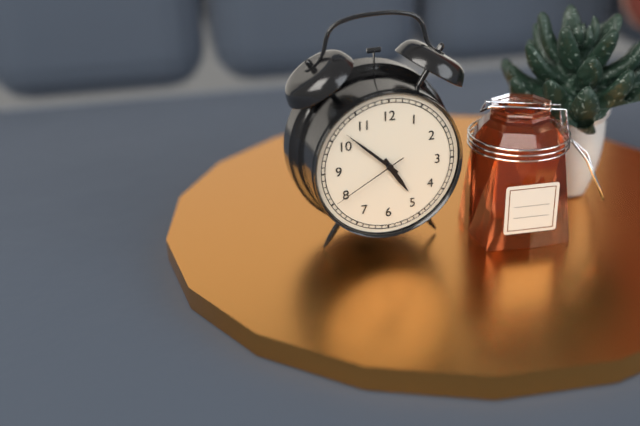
4:52:40
